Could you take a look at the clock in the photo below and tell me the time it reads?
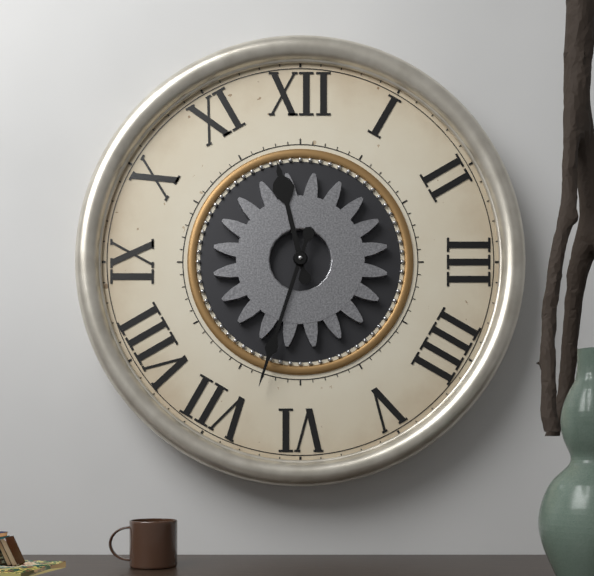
11:33
